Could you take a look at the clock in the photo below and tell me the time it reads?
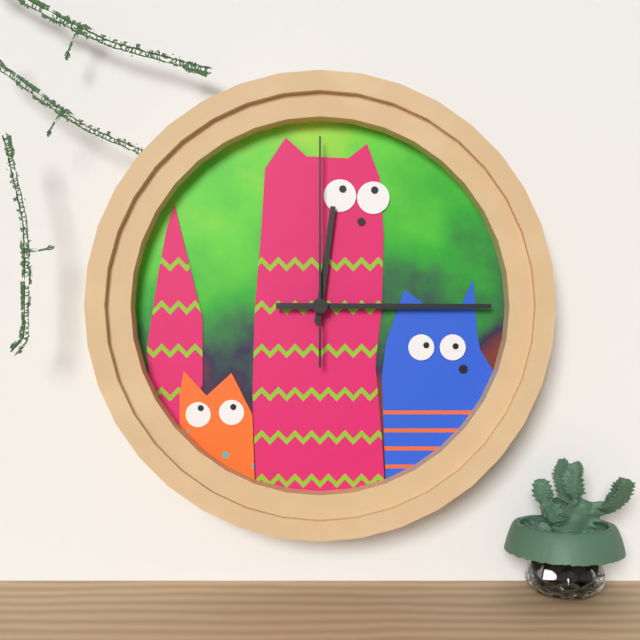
12:15:00
